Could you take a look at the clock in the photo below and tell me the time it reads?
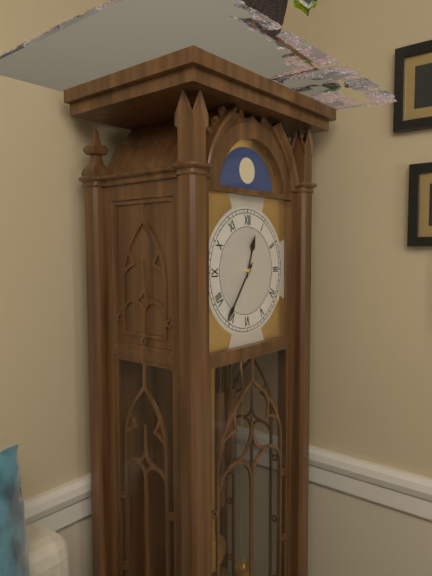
12:36
